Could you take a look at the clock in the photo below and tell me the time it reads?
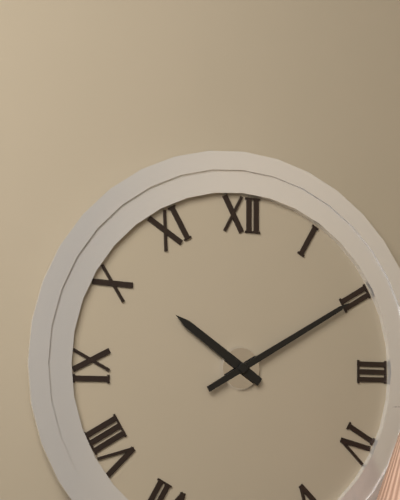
10:10
